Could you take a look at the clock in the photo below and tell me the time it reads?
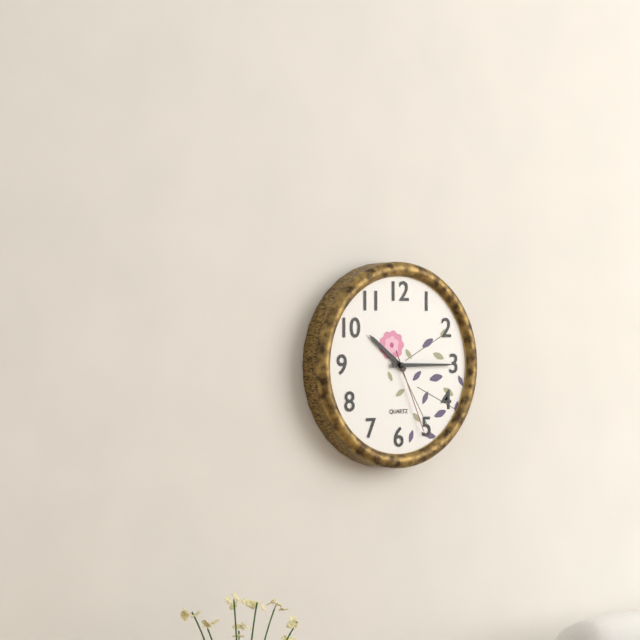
10:15:26
